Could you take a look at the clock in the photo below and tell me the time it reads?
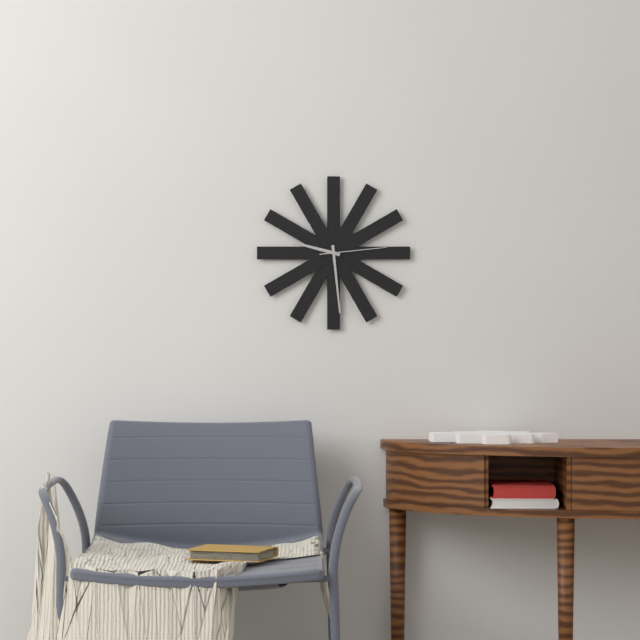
9:29:14
